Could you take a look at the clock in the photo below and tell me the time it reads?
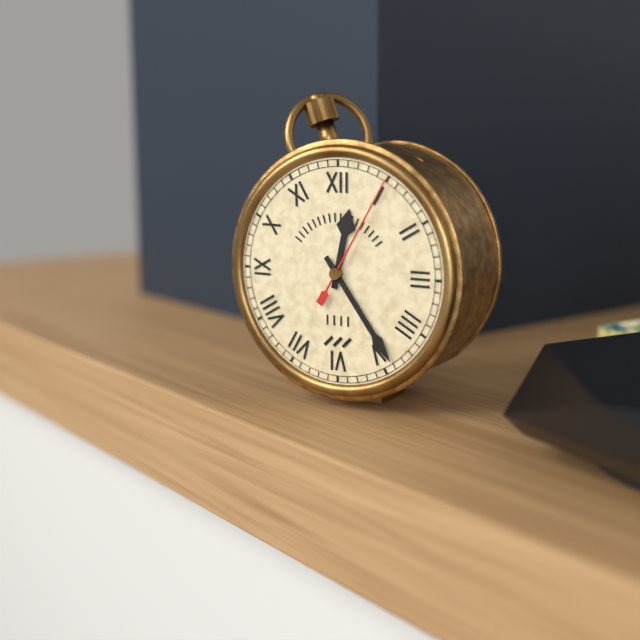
12:24:05
